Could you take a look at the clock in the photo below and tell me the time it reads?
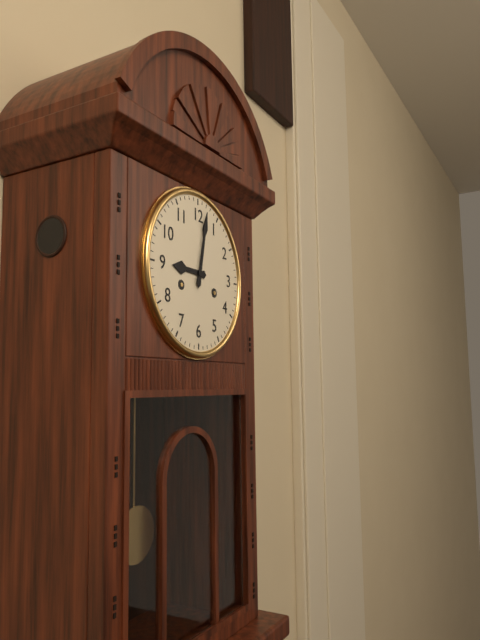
9:02
